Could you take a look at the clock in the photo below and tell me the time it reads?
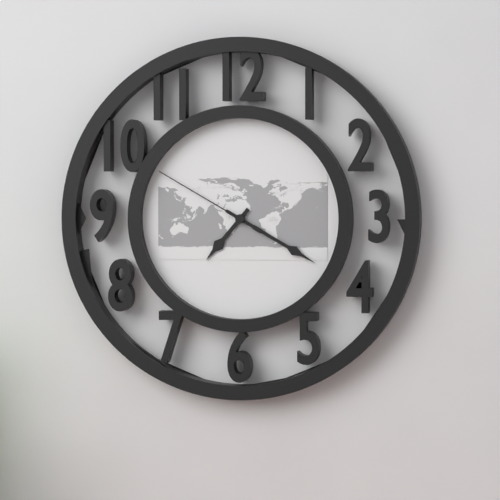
7:20:50
